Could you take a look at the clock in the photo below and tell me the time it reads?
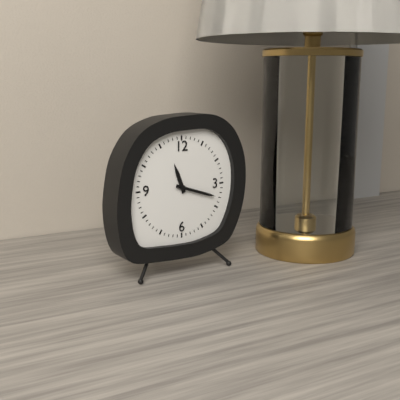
11:18
